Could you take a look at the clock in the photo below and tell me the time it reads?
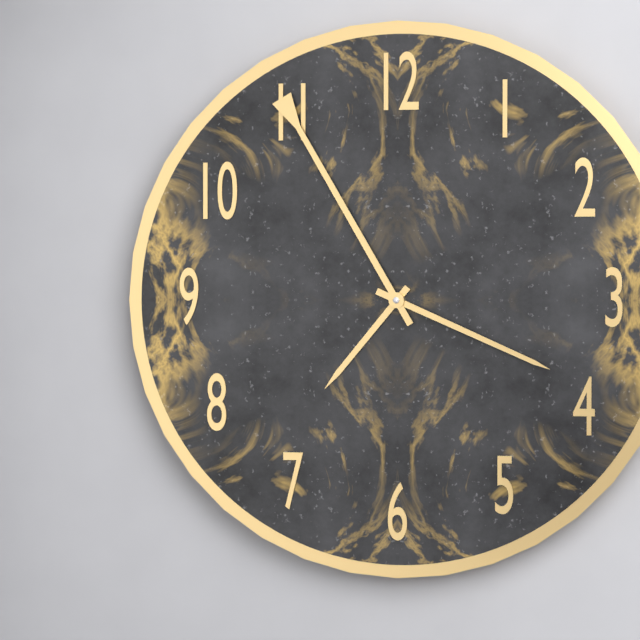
7:19:55
